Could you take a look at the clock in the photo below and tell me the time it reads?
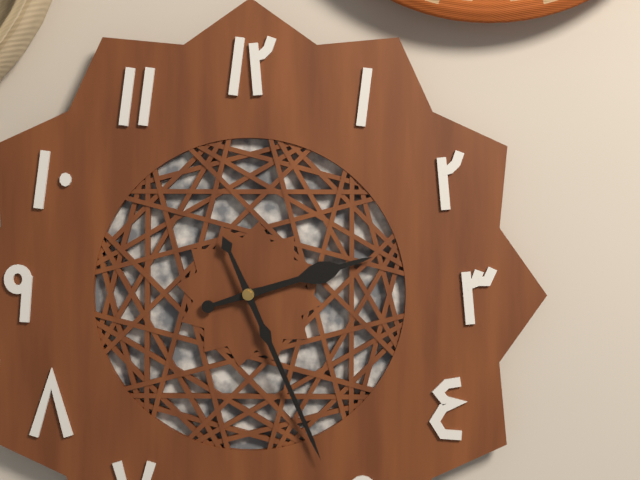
2:26
